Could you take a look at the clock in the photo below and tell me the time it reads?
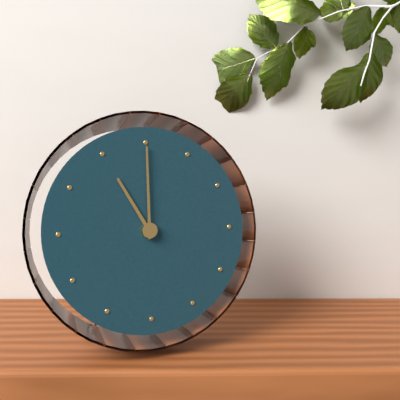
11:00
